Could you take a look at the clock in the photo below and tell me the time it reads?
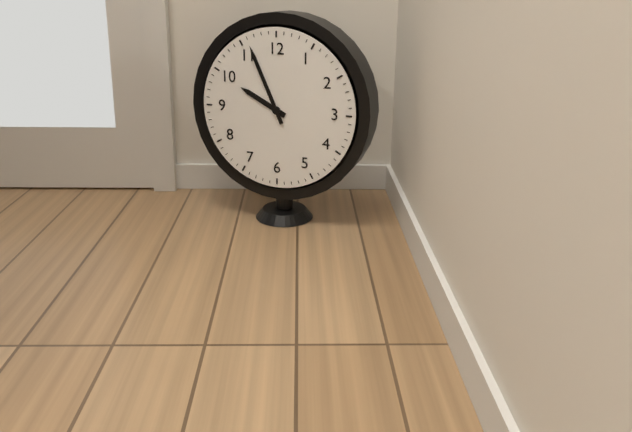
9:56
